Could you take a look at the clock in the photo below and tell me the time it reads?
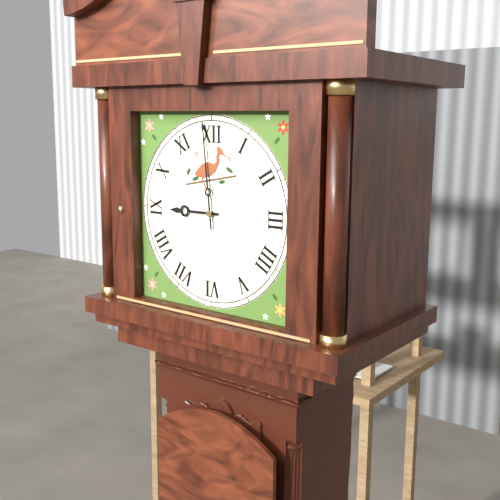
8:59
